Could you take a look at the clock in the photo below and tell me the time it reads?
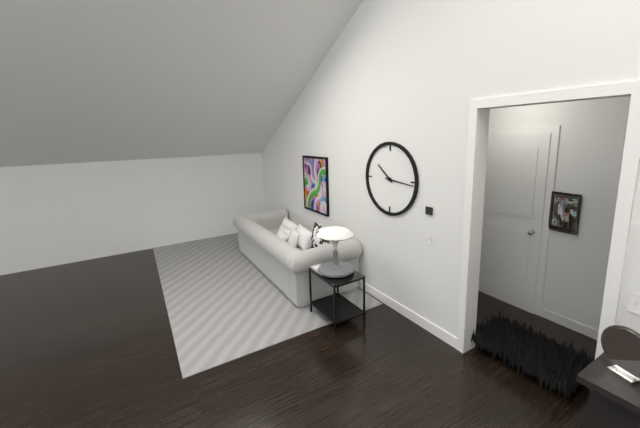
10:16
